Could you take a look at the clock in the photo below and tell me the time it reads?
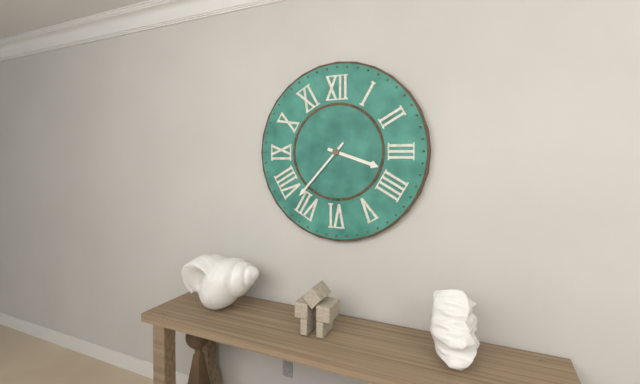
3:37
